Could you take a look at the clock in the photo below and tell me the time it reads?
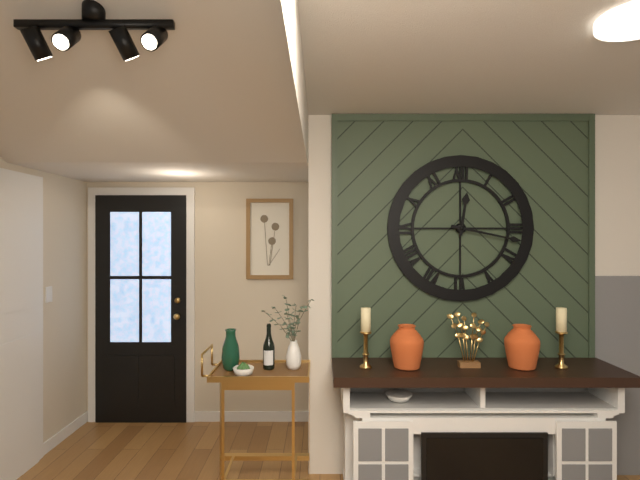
12:17
